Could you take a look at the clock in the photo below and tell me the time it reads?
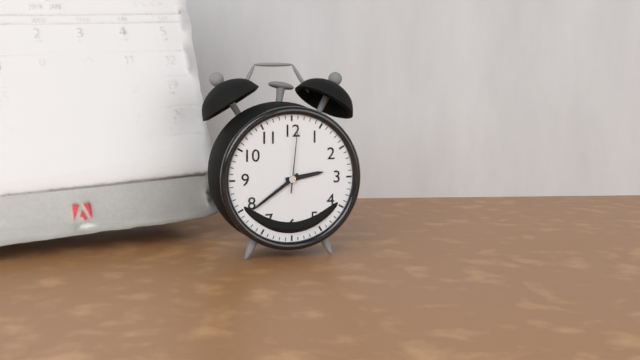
2:39:01
